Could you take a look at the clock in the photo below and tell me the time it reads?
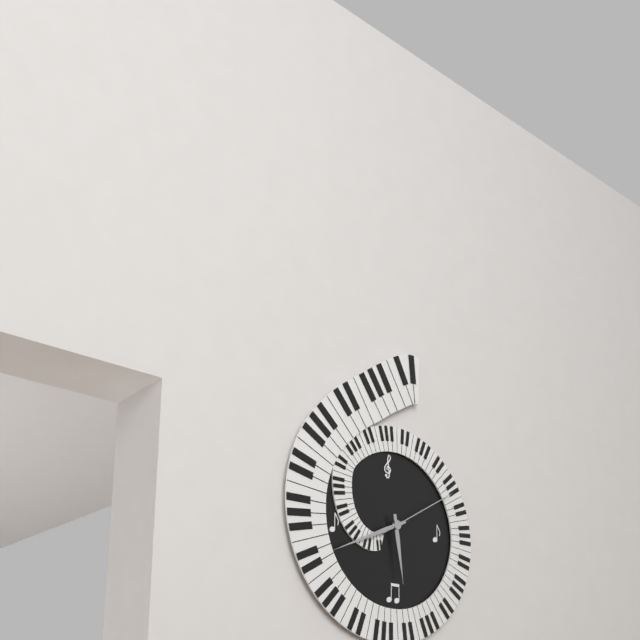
5:41:10
